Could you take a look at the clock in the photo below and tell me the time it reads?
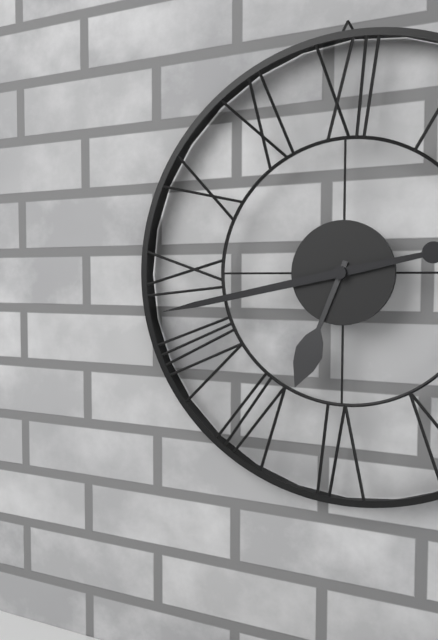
6:43
